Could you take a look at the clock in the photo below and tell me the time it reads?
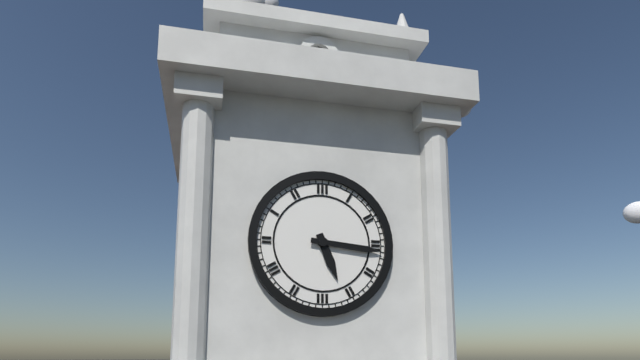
5:16
